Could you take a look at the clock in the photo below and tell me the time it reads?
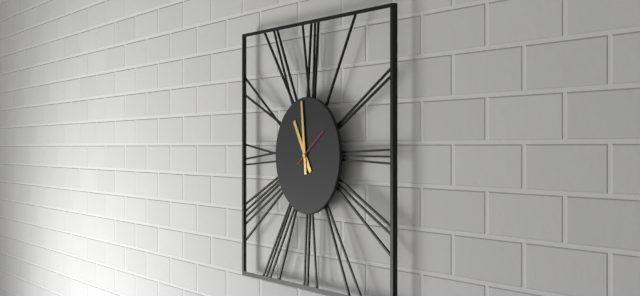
10:59
